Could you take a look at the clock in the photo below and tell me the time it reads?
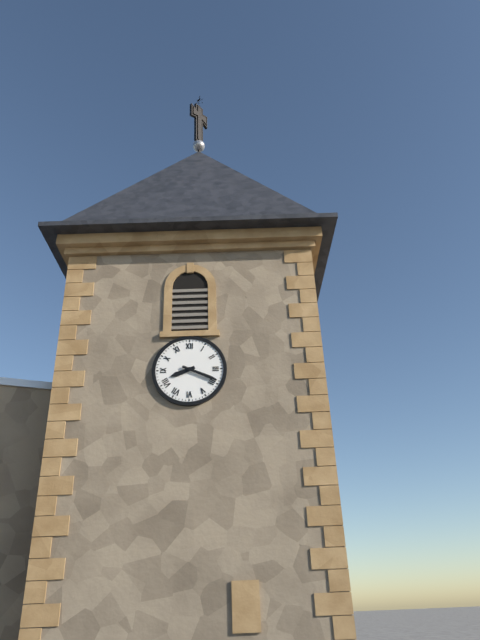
8:19
